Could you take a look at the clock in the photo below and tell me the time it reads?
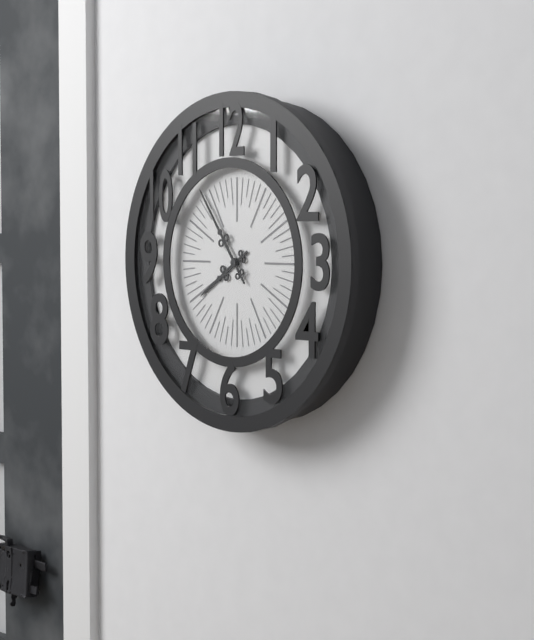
7:54
